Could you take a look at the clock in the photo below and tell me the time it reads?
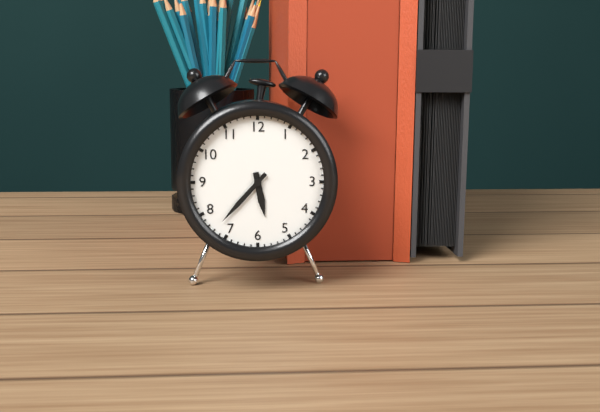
5:37
